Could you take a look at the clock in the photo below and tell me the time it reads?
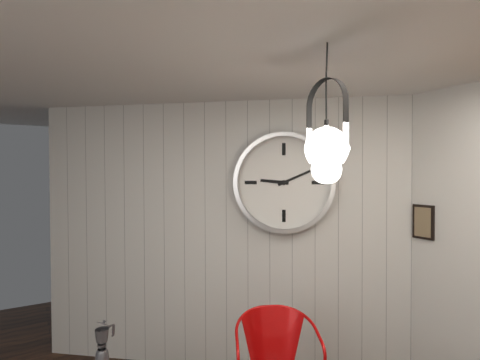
9:11
